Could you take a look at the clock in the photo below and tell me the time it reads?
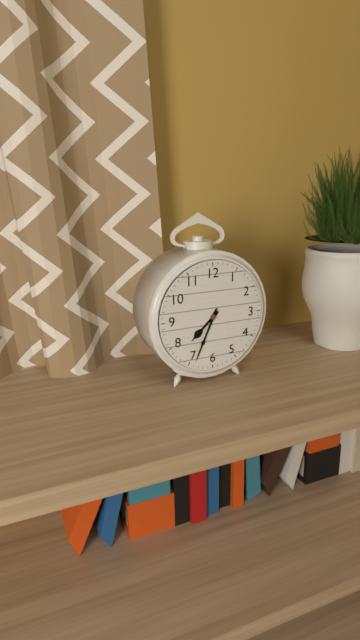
7:34
